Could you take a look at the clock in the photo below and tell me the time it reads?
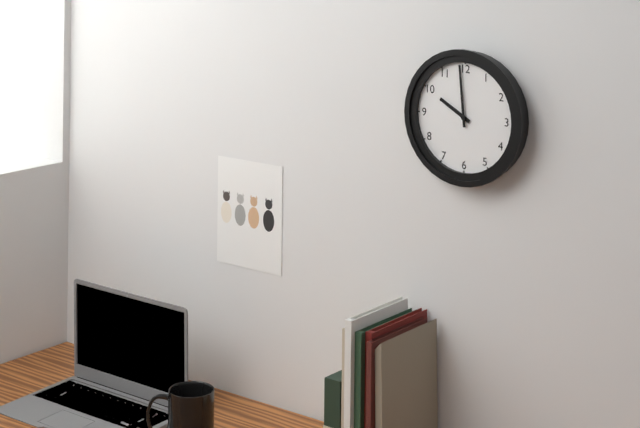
9:59
